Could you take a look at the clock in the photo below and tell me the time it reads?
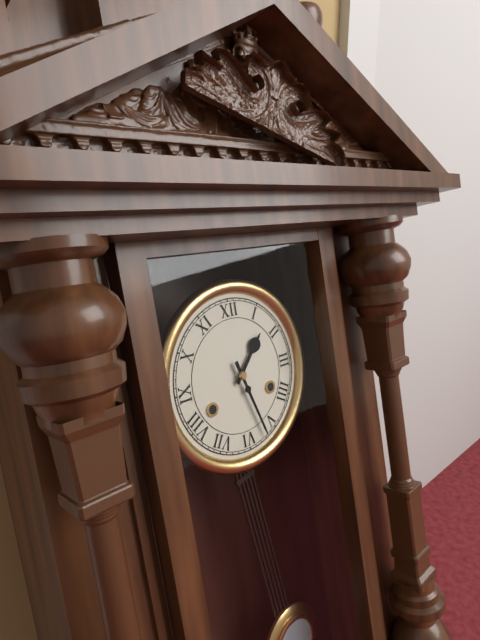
1:27
